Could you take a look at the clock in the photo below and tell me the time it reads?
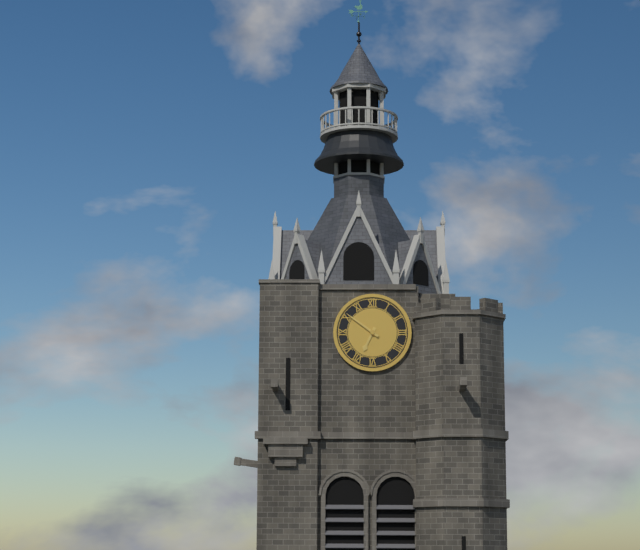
6:51
